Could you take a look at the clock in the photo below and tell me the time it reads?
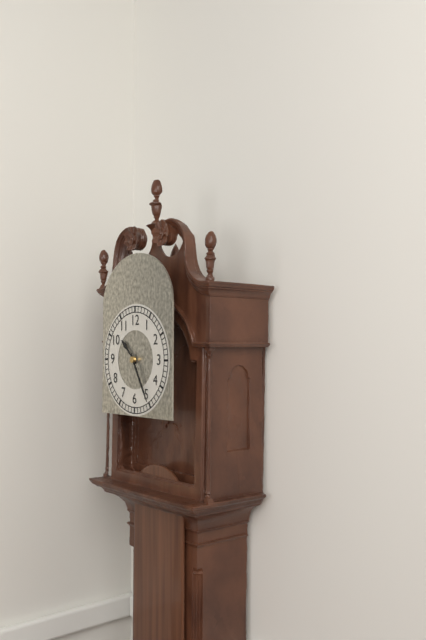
10:25
